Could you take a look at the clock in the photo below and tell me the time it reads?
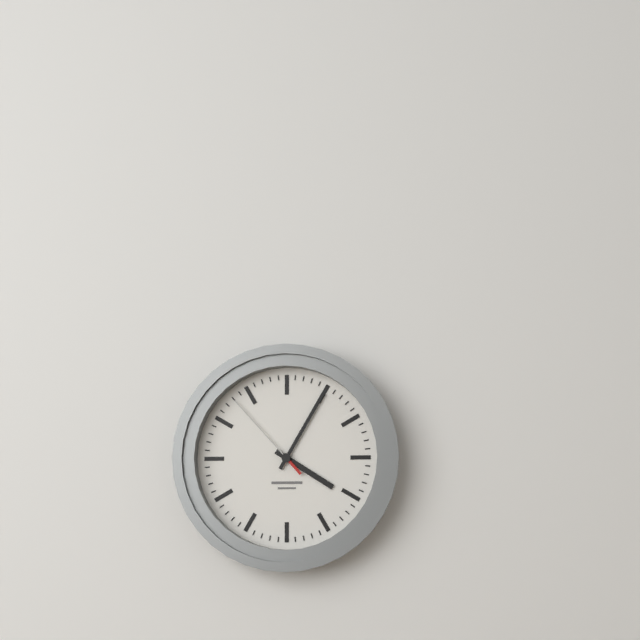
4:05:53
